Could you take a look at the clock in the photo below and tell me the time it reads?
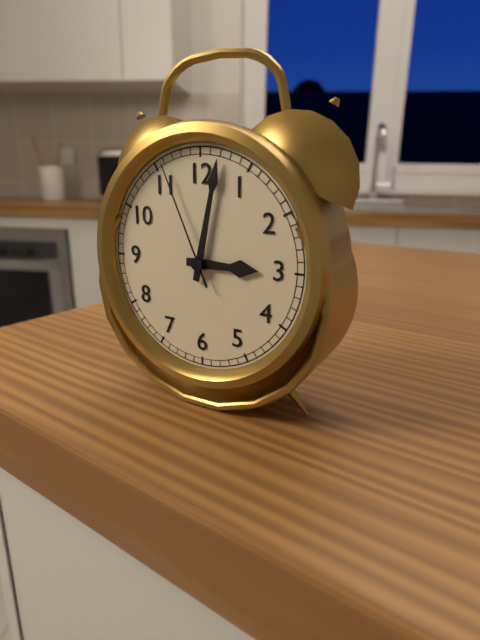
3:02:56
